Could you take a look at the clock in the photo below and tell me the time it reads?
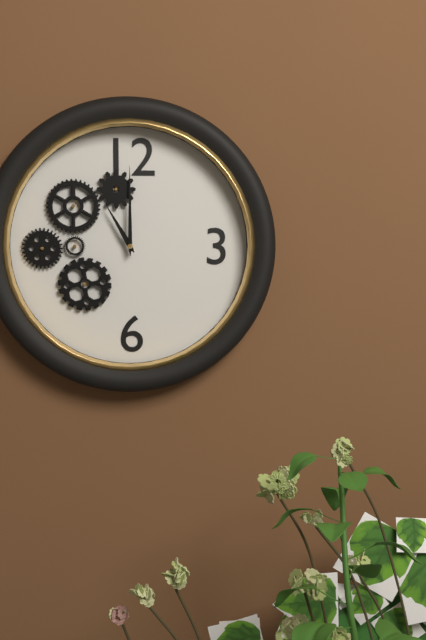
11:00
